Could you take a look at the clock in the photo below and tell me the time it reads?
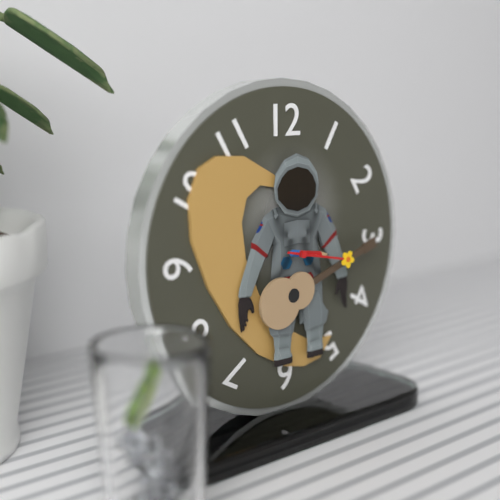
3:17
